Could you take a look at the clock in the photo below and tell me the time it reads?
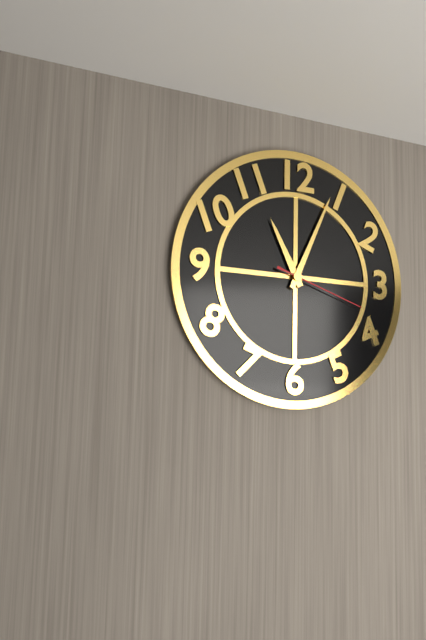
11:04:18
